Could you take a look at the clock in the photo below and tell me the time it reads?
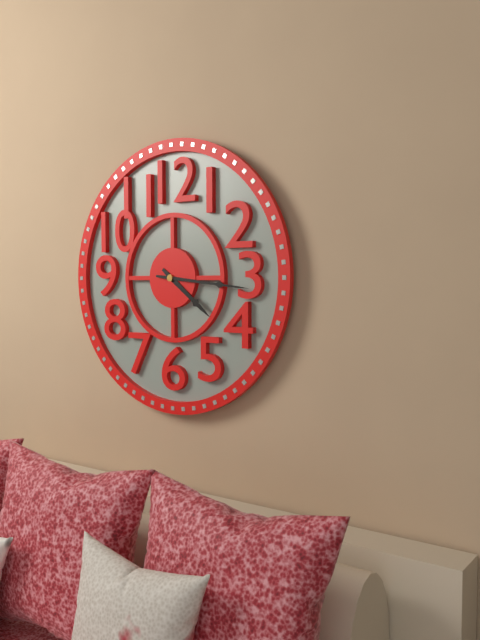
4:16
